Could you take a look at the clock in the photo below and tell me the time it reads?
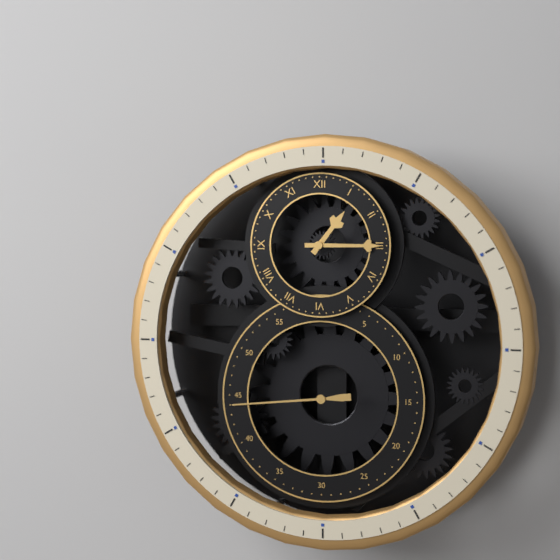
1:15:44
